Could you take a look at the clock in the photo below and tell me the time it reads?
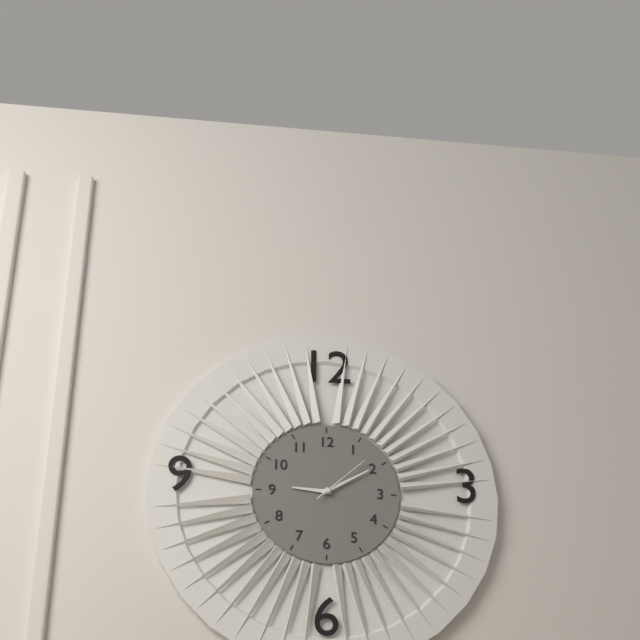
9:10:08
